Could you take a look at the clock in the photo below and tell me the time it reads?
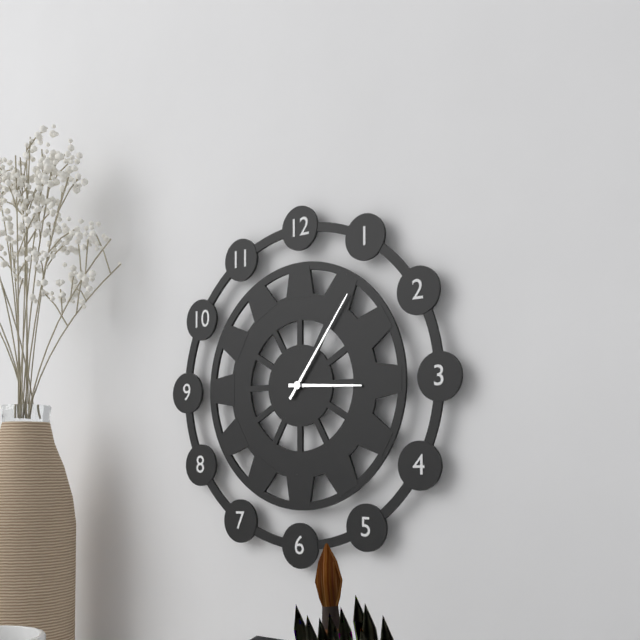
3:06
